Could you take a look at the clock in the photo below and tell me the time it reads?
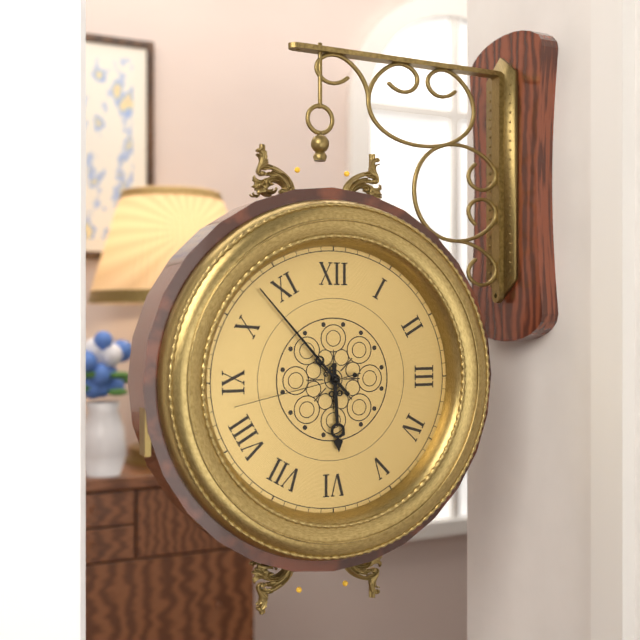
5:53:43
